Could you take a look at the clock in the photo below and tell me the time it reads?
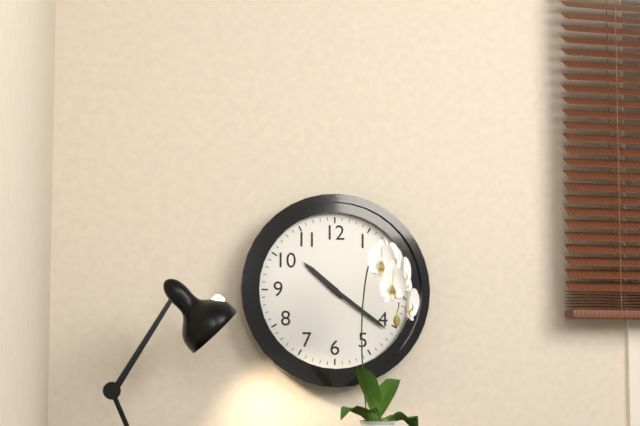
10:21
